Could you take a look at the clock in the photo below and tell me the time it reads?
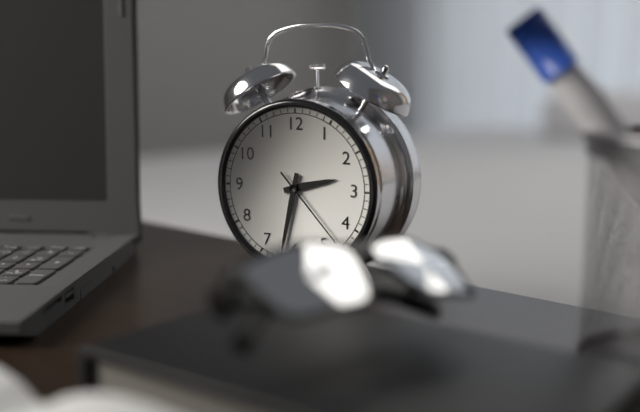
2:32:23
